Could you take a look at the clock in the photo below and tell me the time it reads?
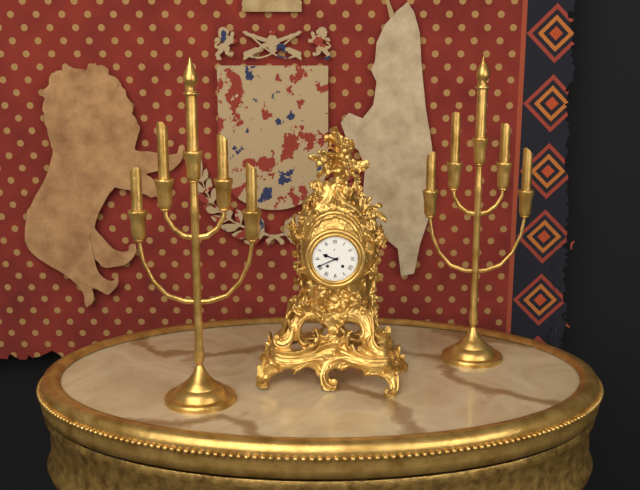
9:41
